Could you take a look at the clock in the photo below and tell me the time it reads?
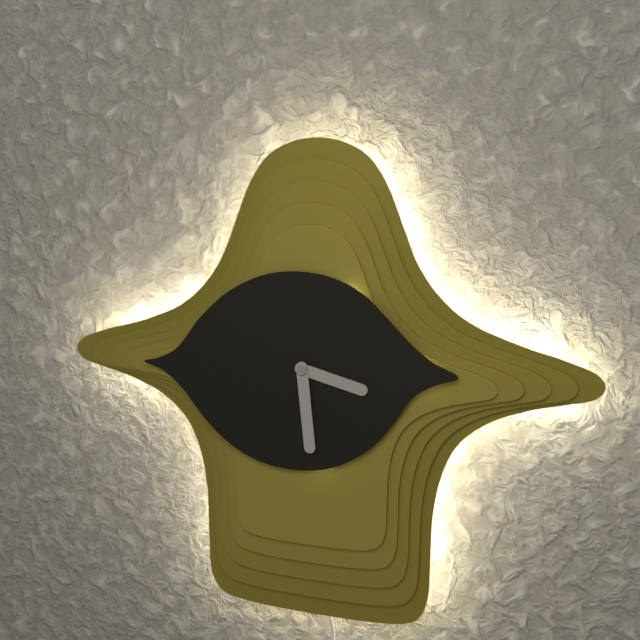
3:29
